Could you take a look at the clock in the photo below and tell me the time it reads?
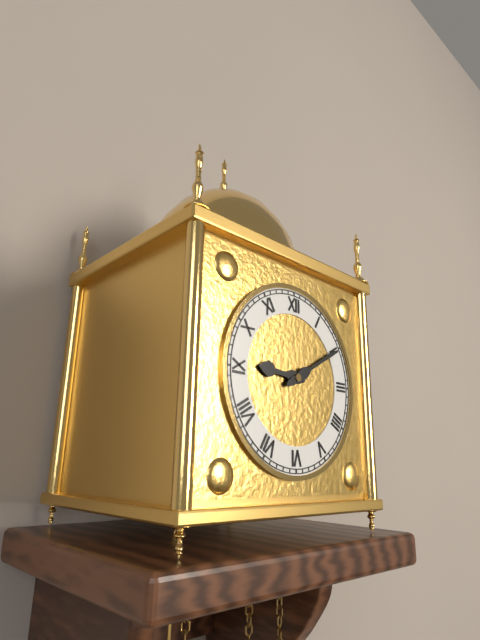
9:10
